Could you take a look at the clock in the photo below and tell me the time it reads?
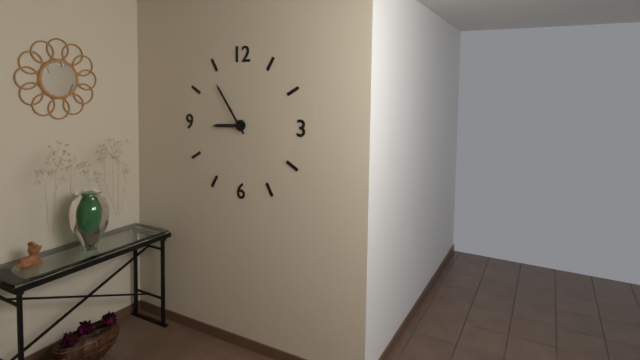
8:54
